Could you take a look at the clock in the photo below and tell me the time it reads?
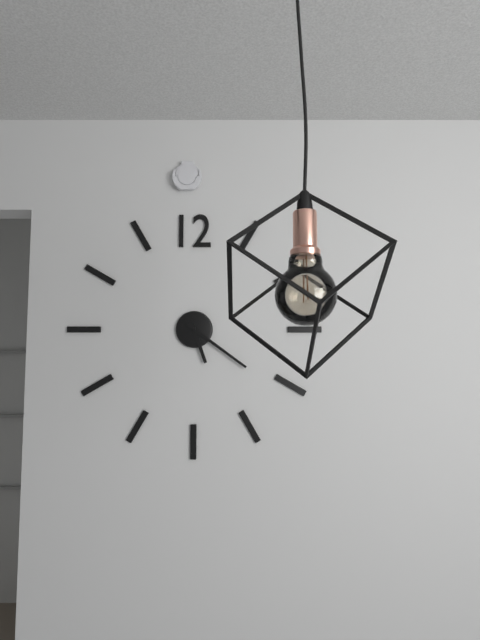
5:21
